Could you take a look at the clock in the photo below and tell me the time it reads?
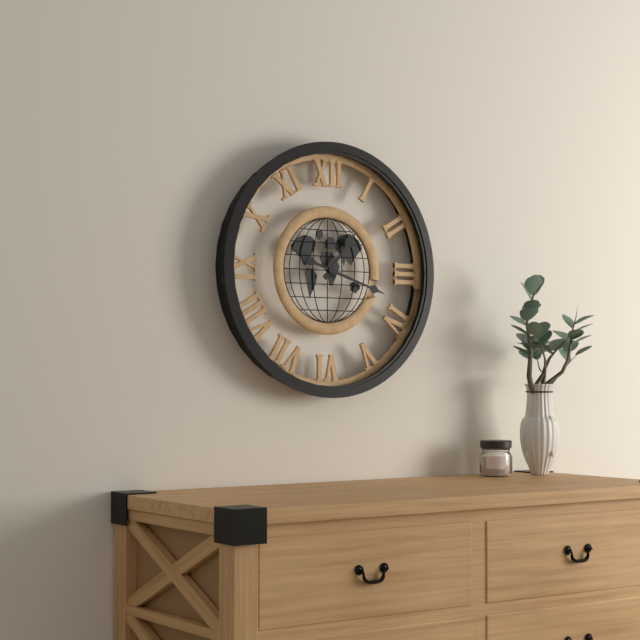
1:18
